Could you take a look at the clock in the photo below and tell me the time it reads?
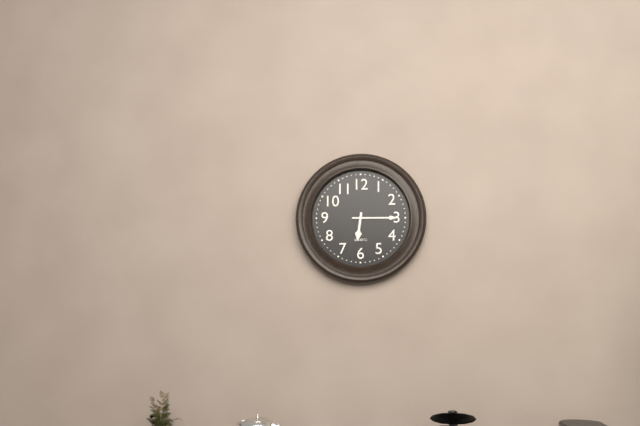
6:15
